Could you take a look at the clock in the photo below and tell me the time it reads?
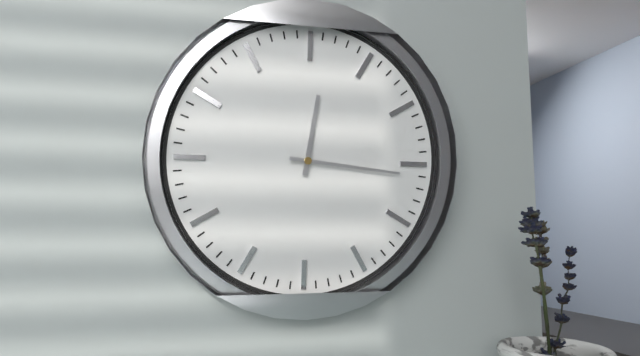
12:16
